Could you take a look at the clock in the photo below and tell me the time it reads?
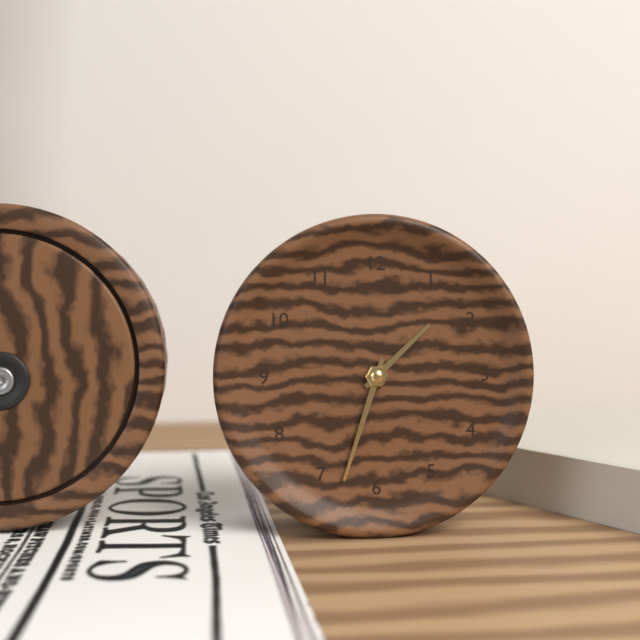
1:33
